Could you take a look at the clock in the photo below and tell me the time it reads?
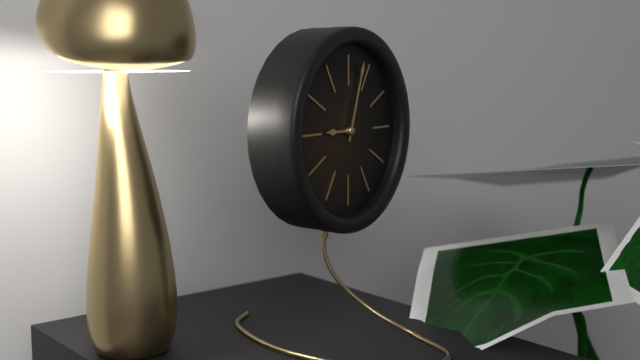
9:03
